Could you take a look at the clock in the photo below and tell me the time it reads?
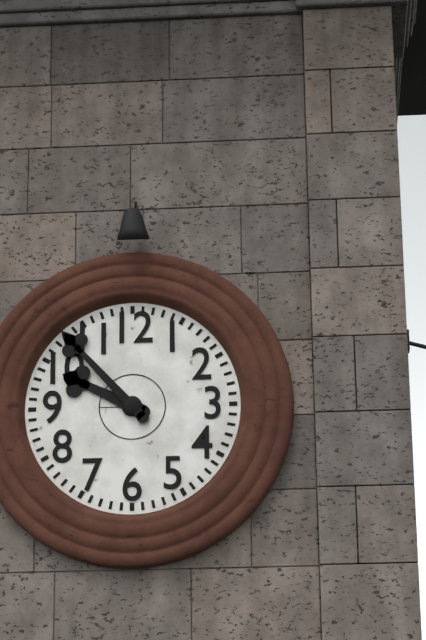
9:53
